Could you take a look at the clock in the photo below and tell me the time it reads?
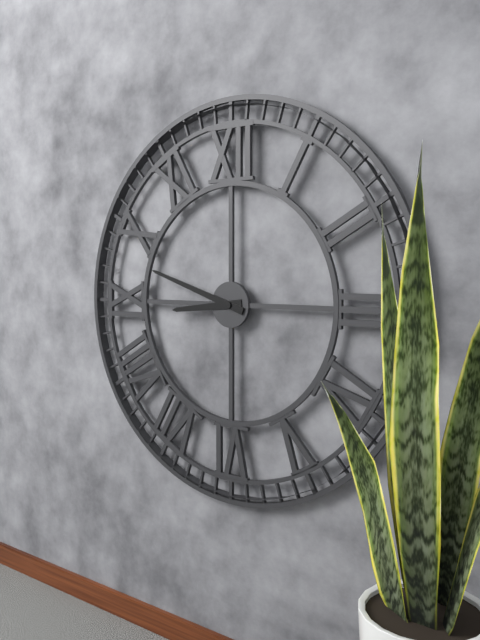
8:48
